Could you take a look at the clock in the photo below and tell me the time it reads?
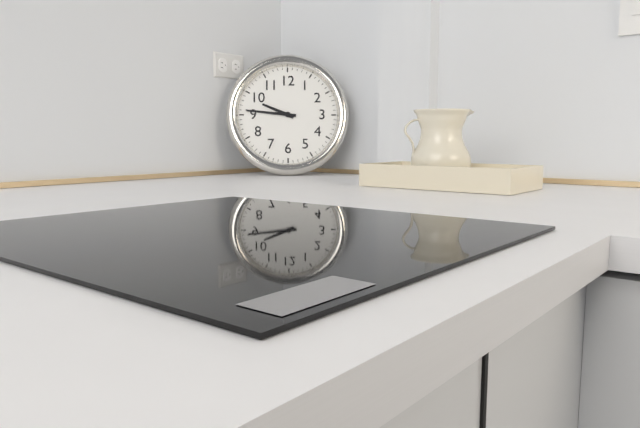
9:46
